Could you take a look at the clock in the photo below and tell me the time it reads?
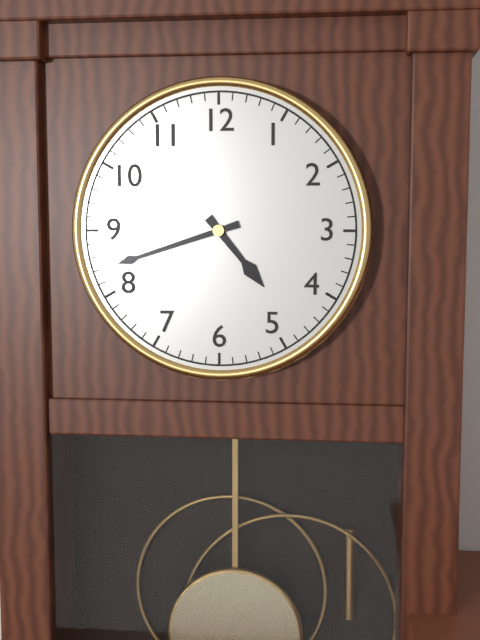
4:42
